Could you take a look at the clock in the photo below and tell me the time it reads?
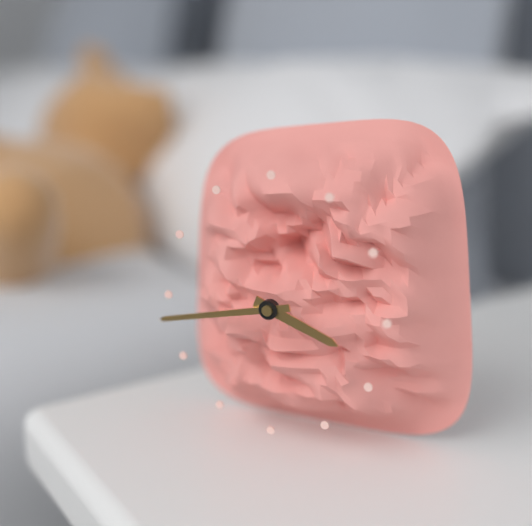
3:43
